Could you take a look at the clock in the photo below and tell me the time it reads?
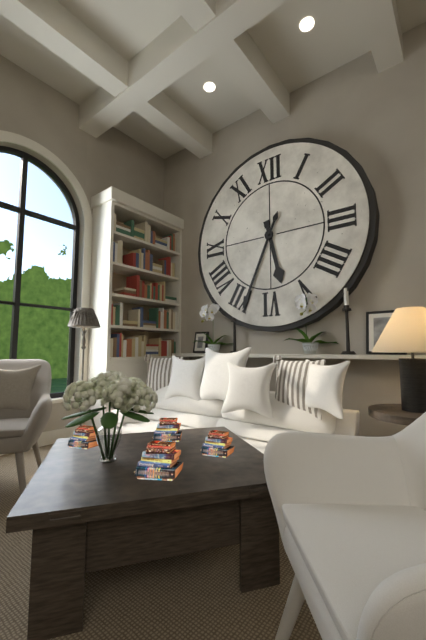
5:34
